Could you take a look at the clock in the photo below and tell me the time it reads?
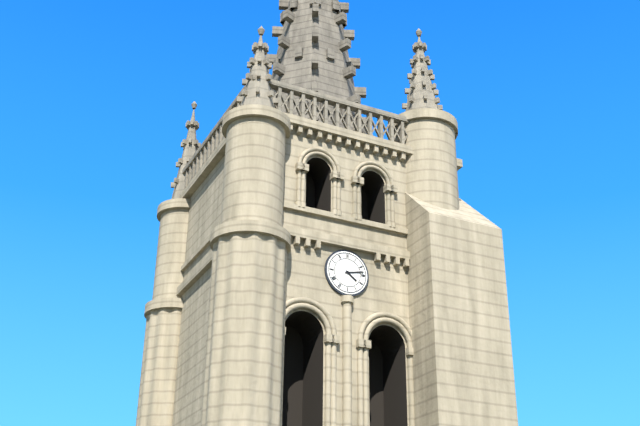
4:13
